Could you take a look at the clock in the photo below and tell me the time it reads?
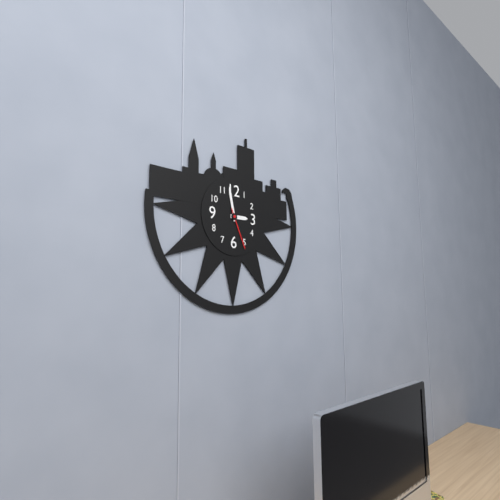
2:58
